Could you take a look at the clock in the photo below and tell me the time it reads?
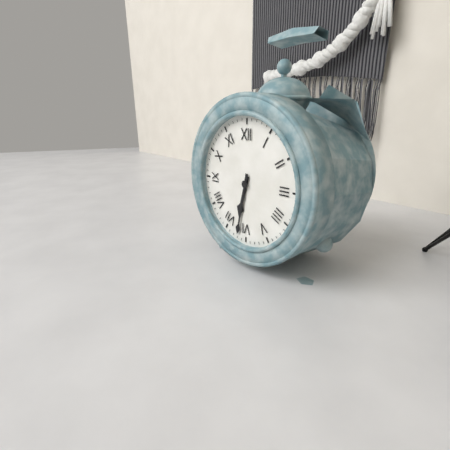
6:32
